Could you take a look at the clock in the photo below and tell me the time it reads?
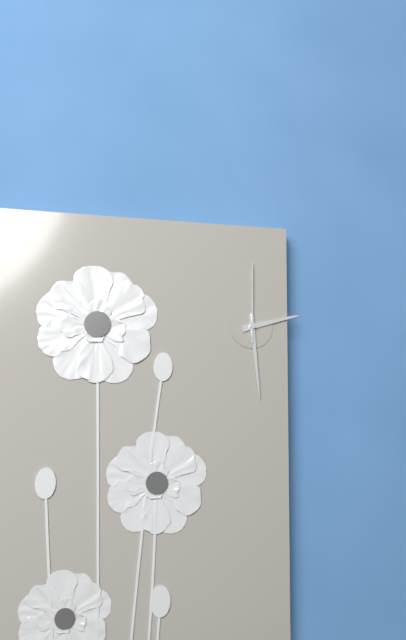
2:29:00
